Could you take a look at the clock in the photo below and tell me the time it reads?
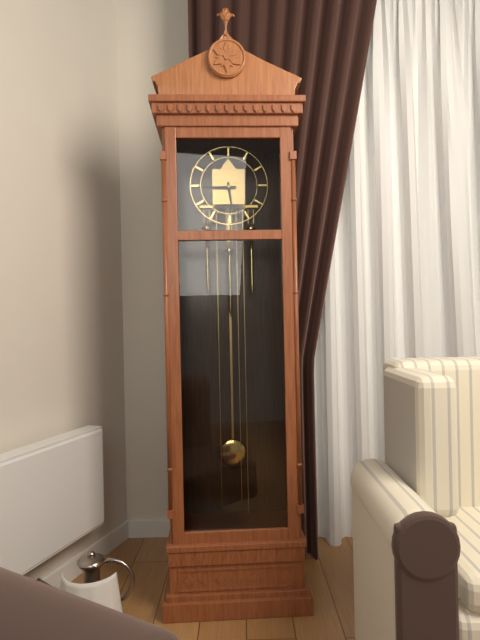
5:45
